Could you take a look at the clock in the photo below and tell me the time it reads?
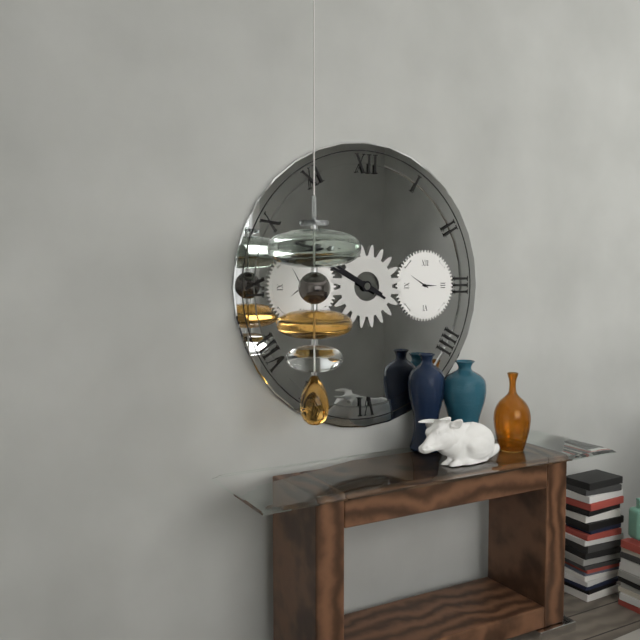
9:50
